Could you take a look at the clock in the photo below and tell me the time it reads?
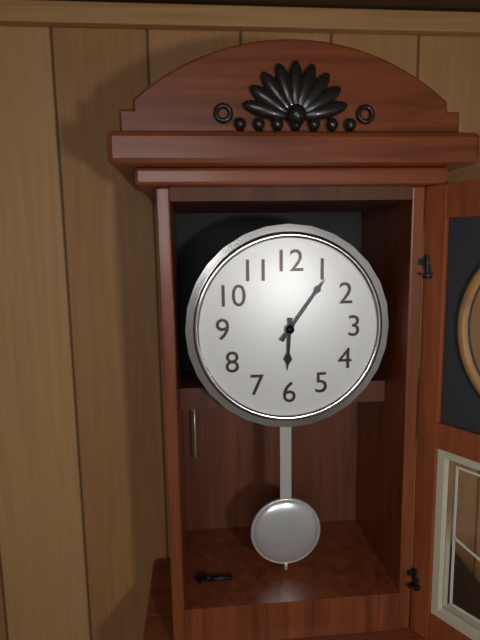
6:06
